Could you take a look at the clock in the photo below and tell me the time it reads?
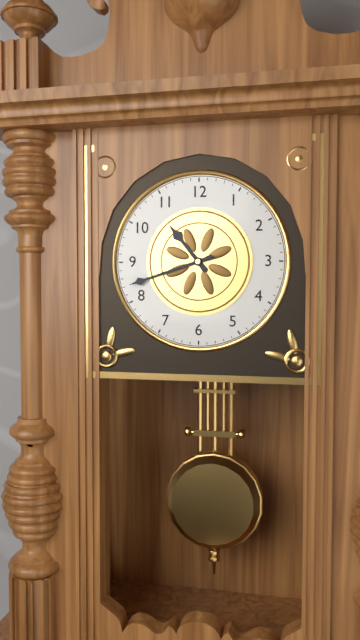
10:42
